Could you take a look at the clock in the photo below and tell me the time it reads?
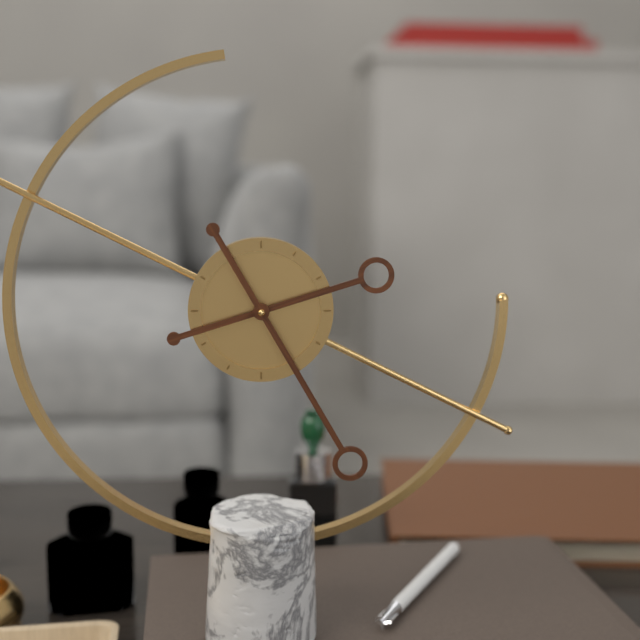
2:25
